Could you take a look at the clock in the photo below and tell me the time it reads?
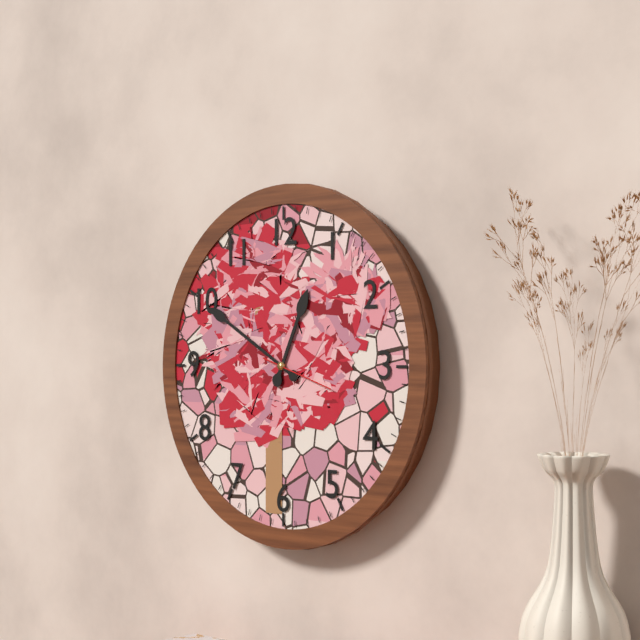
12:50:18
